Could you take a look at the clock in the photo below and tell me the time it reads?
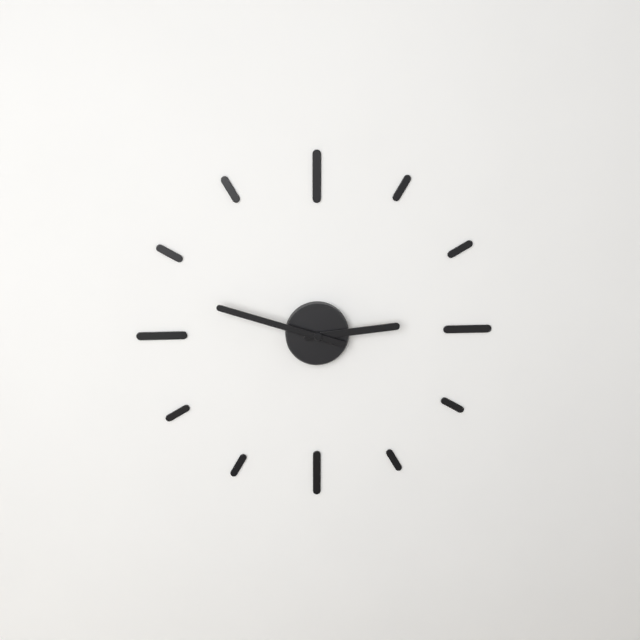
2:48
